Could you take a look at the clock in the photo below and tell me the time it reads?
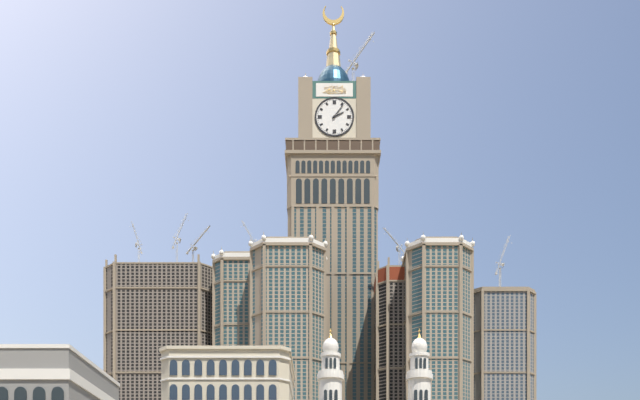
2:06
